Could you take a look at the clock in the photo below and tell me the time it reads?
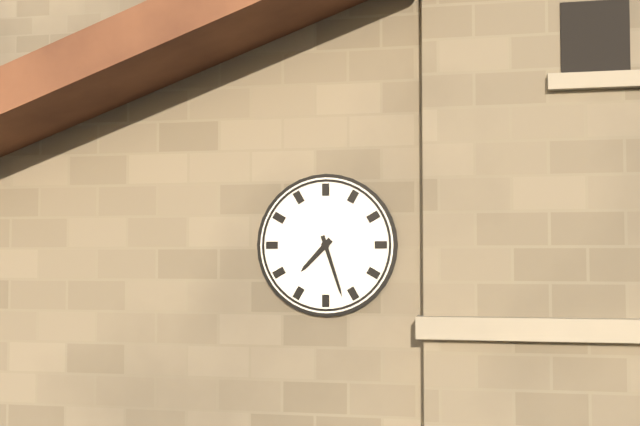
7:27
